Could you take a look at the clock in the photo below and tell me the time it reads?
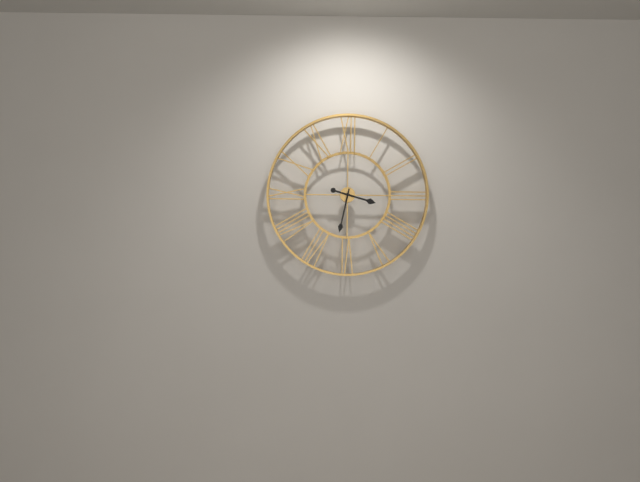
3:32
